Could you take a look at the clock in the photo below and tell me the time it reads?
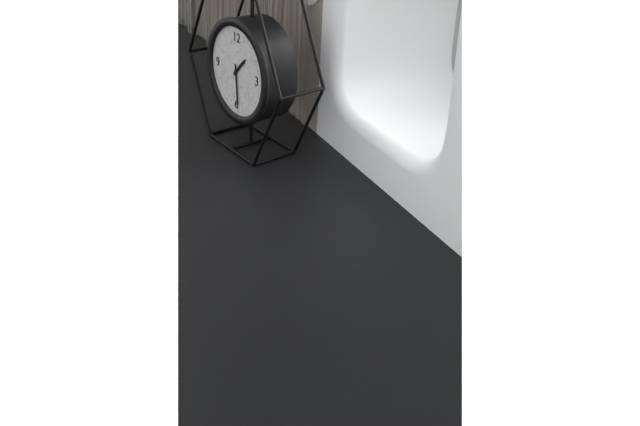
1:29
